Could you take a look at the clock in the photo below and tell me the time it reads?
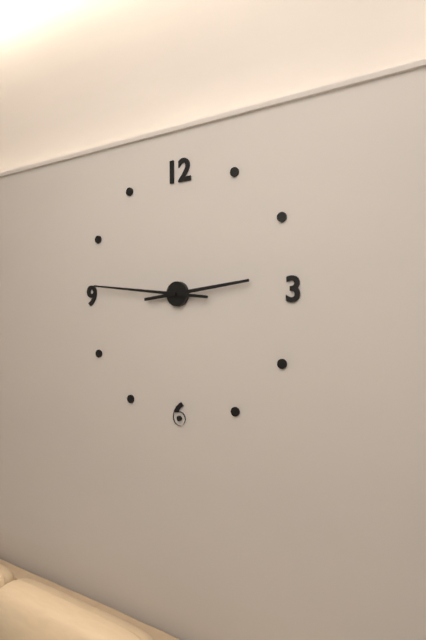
2:46
